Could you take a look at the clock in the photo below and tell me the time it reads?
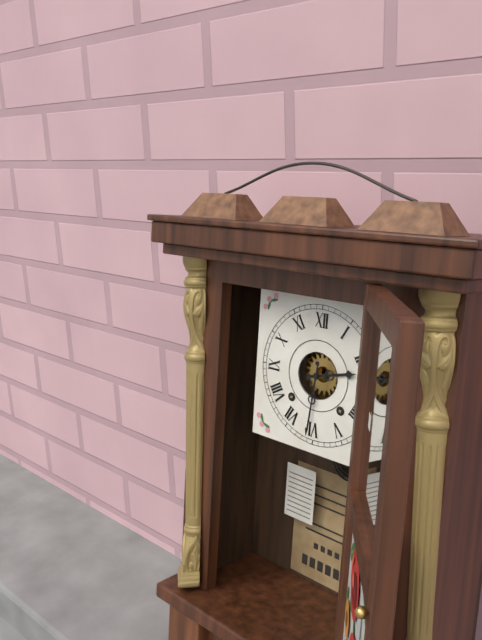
2:31
